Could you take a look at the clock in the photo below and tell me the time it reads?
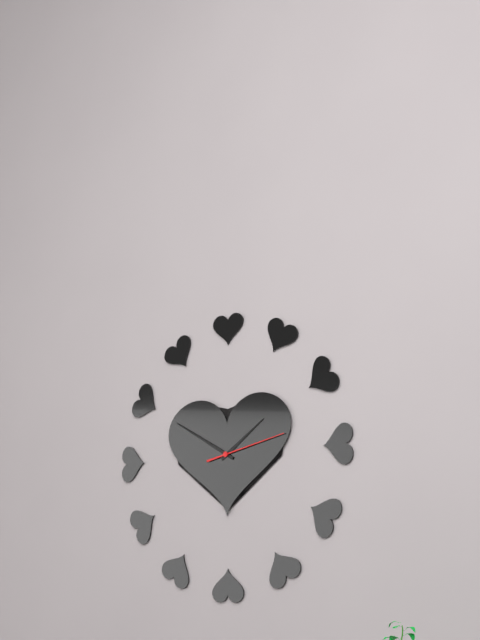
1:50:13
